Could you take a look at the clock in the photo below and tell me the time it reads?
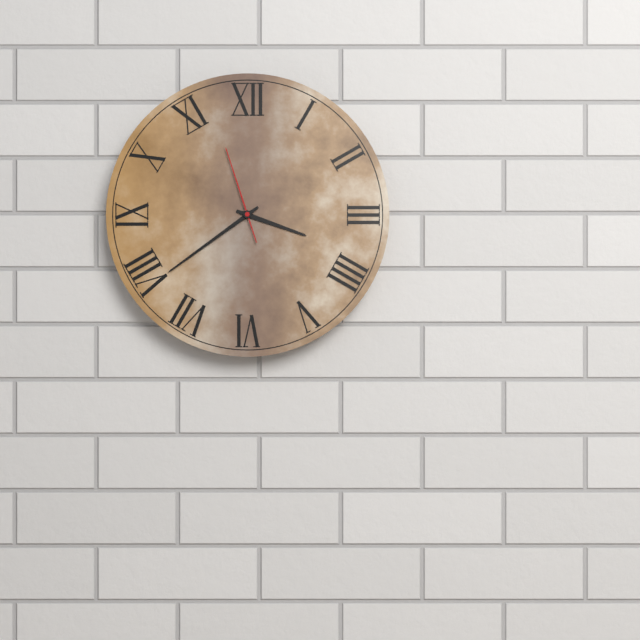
3:39:57
